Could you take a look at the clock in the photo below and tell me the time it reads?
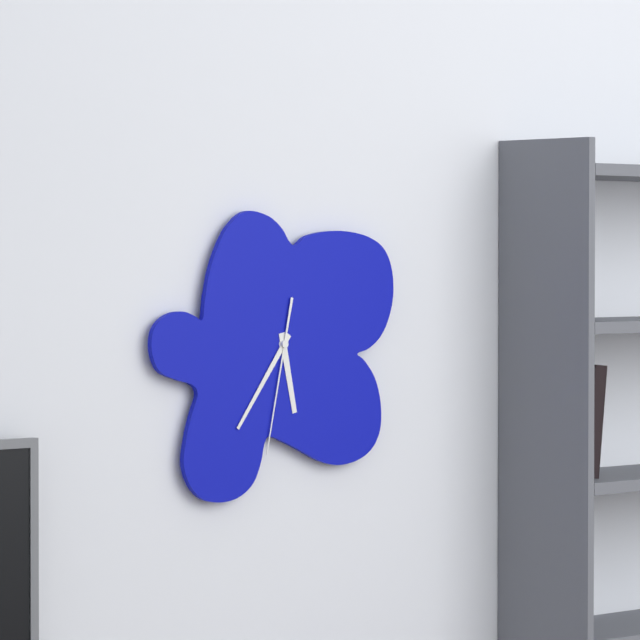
5:36:32
